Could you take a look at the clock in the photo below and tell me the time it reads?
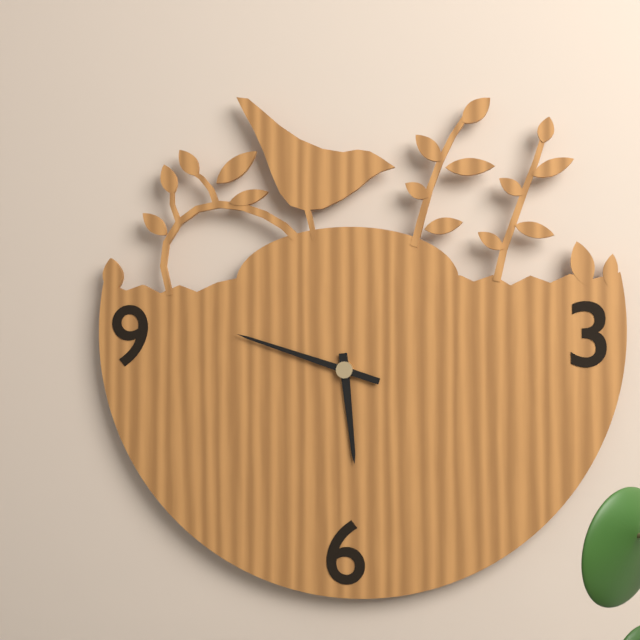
5:48
